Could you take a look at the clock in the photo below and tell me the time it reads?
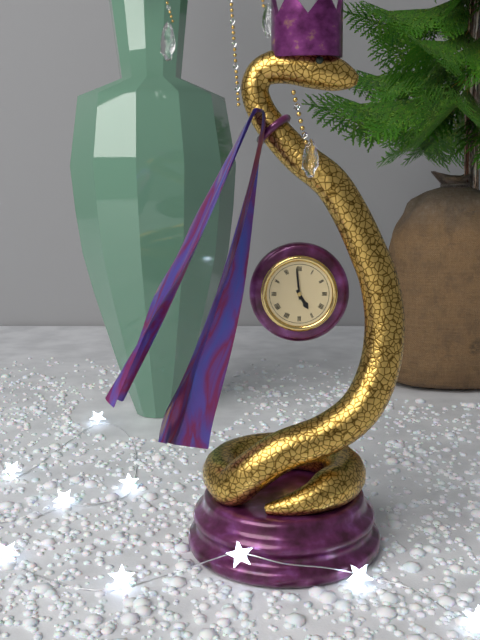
4:59
